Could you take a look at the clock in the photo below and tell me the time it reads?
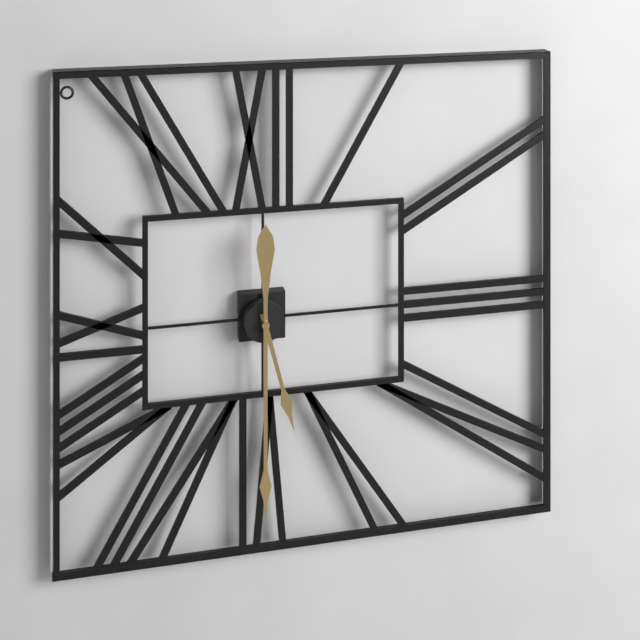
5:30
